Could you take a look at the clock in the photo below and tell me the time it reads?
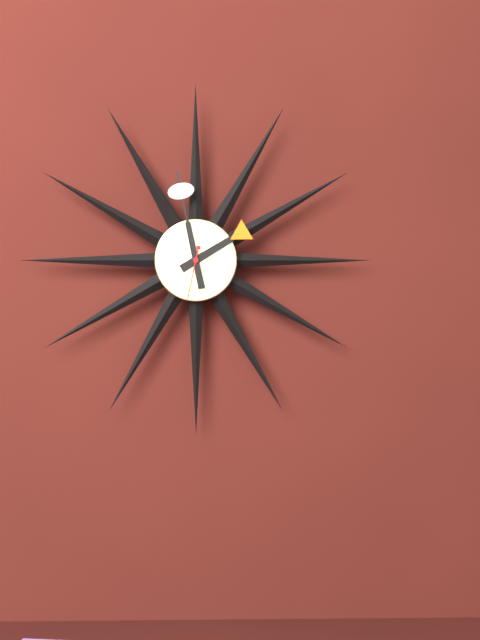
1:58
